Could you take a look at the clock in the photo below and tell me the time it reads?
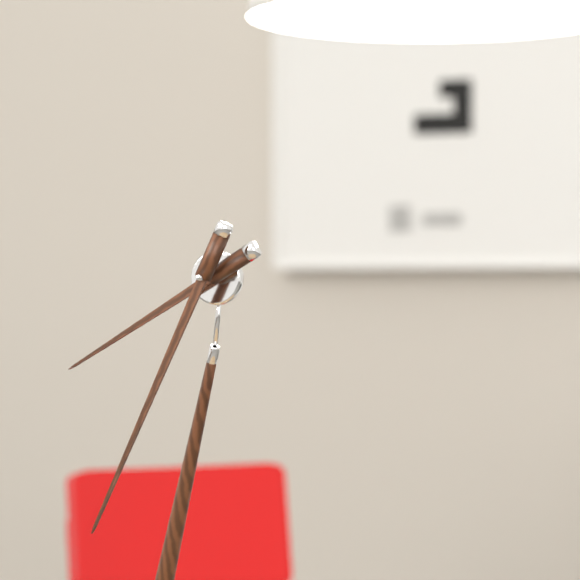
7:32
